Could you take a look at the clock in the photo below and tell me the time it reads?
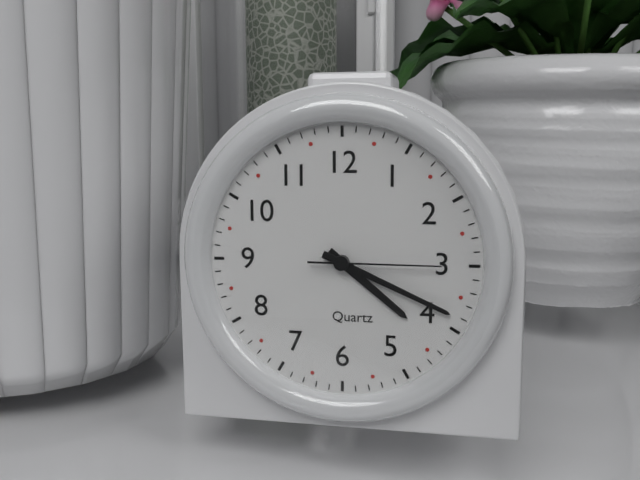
4:19:15
